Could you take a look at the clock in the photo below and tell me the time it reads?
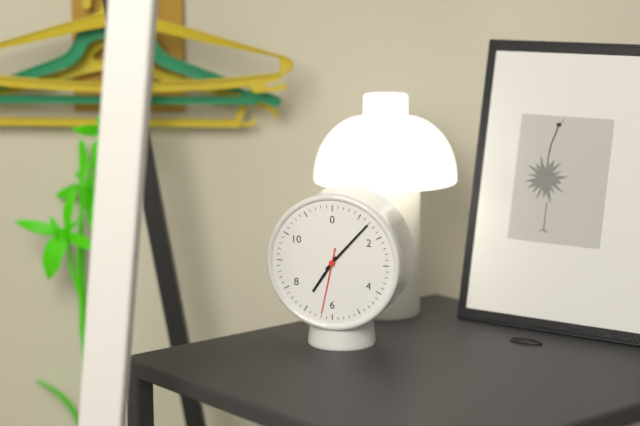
7:07:32
